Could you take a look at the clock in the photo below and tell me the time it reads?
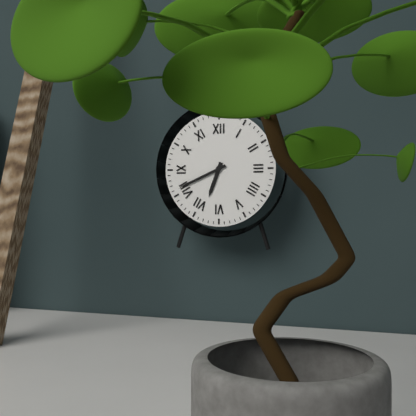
6:41
